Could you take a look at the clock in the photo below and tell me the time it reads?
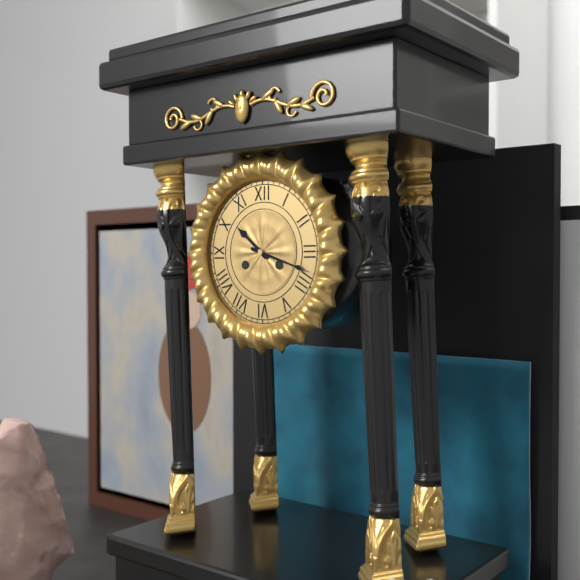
10:18
